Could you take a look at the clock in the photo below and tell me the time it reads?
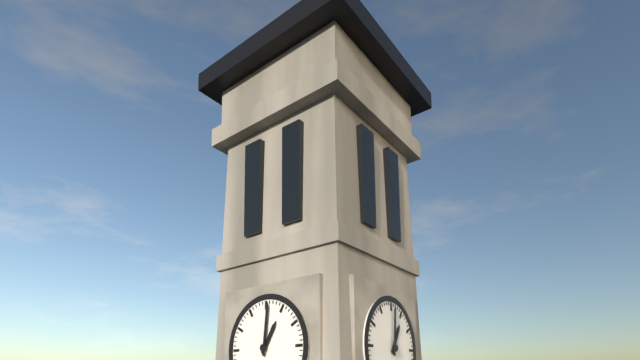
1:01
